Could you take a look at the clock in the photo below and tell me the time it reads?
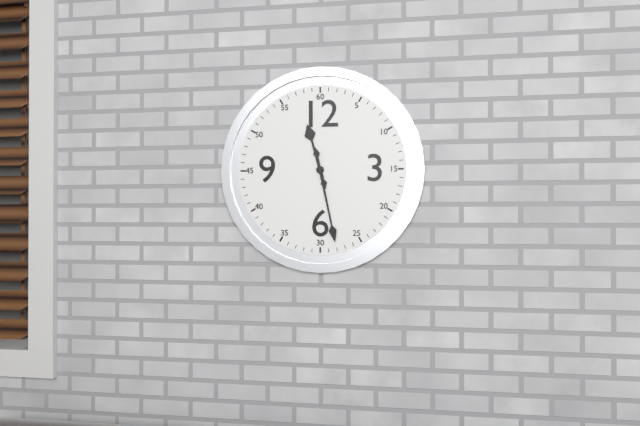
11:28
